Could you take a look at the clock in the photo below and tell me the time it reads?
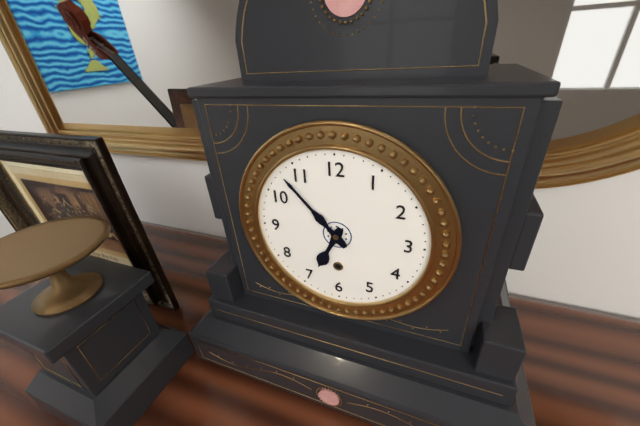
6:53
